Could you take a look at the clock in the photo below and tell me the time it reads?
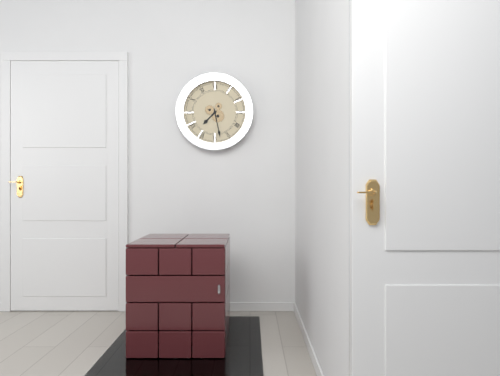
7:28
